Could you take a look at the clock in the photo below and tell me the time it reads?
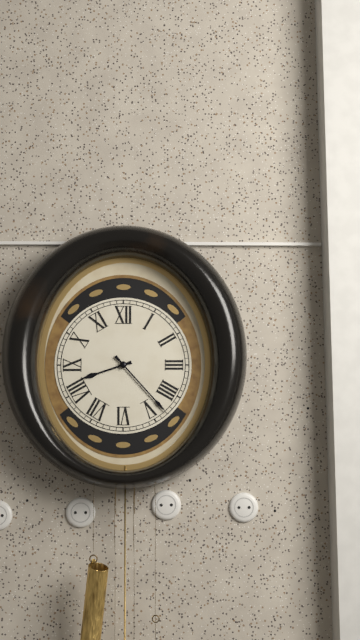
8:23
